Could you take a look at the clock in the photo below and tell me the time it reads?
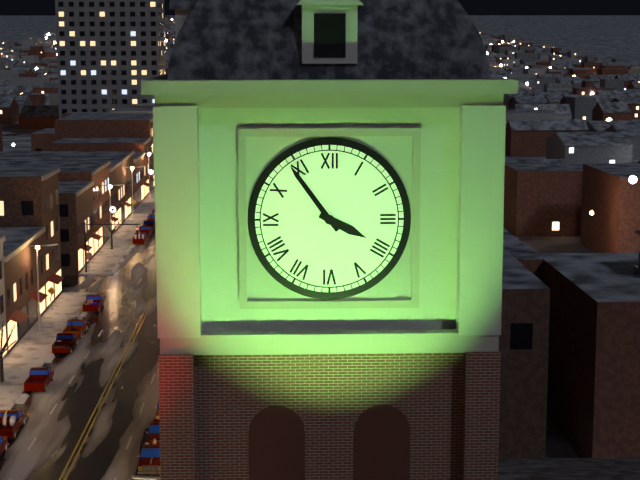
3:54
